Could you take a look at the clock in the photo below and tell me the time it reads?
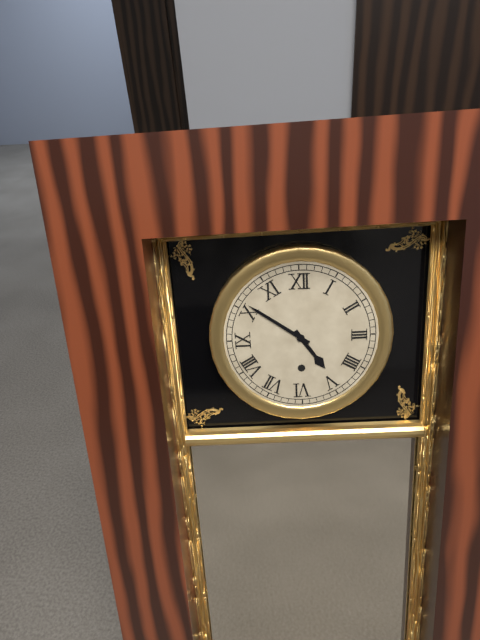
4:51
